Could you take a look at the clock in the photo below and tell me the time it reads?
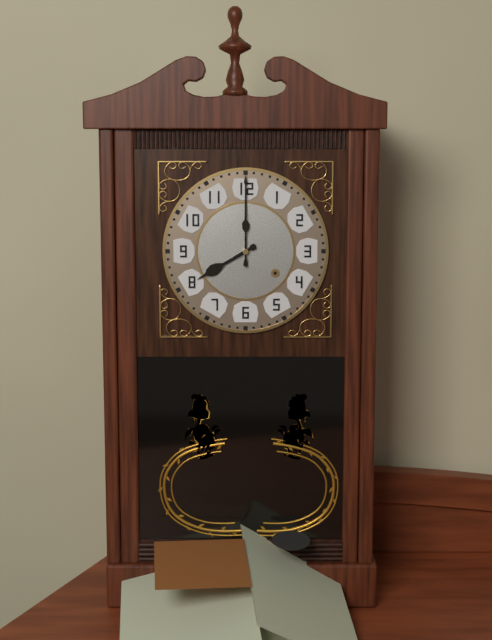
8:00
